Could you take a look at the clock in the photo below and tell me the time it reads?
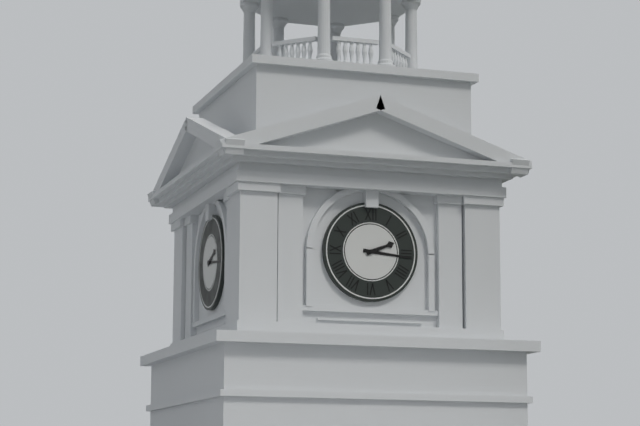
2:16
